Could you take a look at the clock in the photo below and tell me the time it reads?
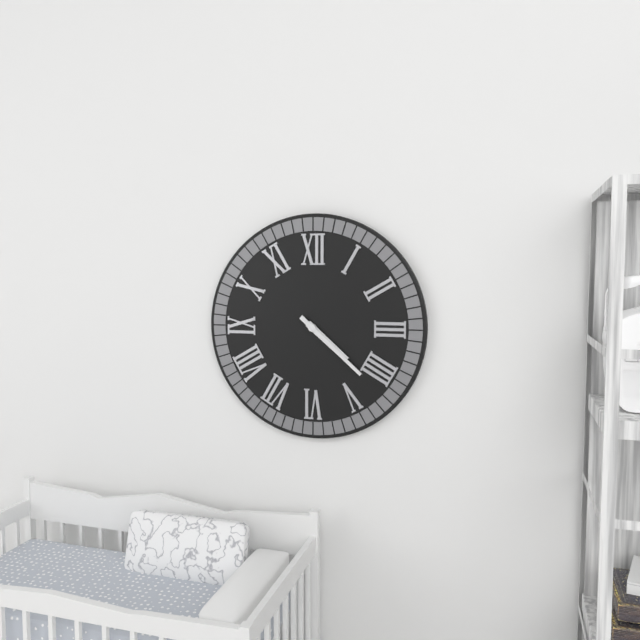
4:22
